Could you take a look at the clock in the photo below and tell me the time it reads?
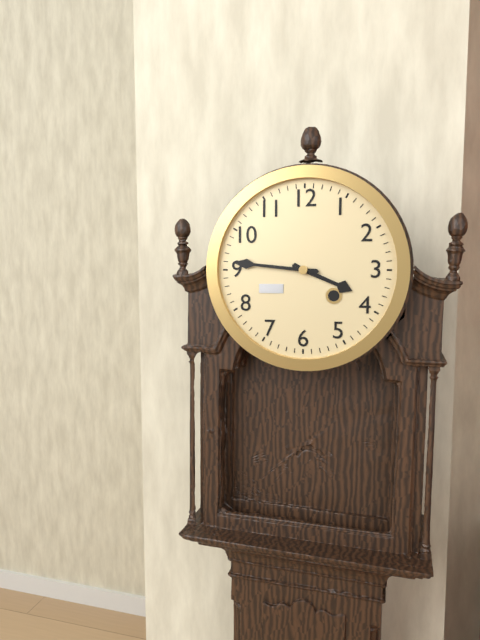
3:46
